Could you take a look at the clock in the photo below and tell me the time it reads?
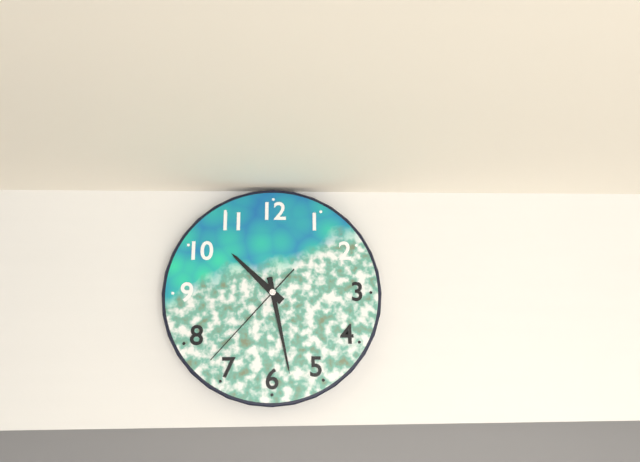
10:28:37
